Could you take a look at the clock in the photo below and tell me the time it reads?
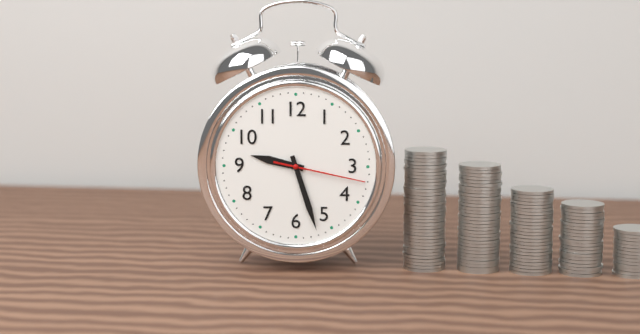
9:27:17
